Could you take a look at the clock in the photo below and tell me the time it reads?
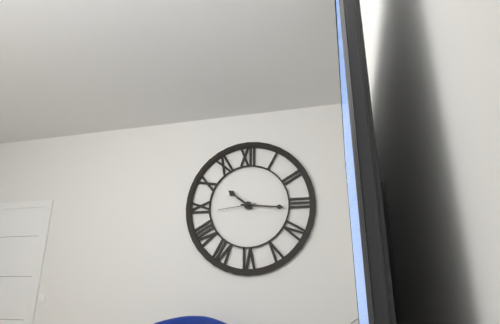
10:16
